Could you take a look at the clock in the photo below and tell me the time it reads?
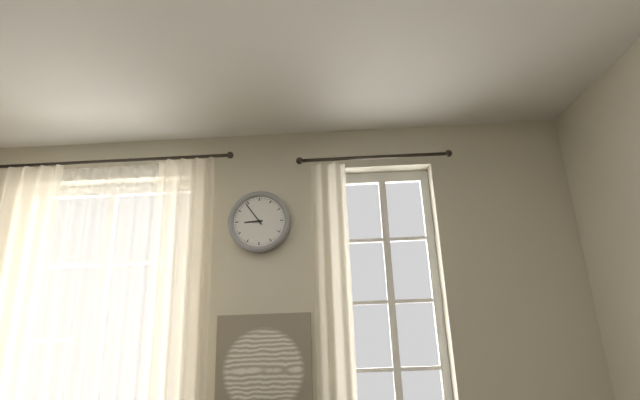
8:54
